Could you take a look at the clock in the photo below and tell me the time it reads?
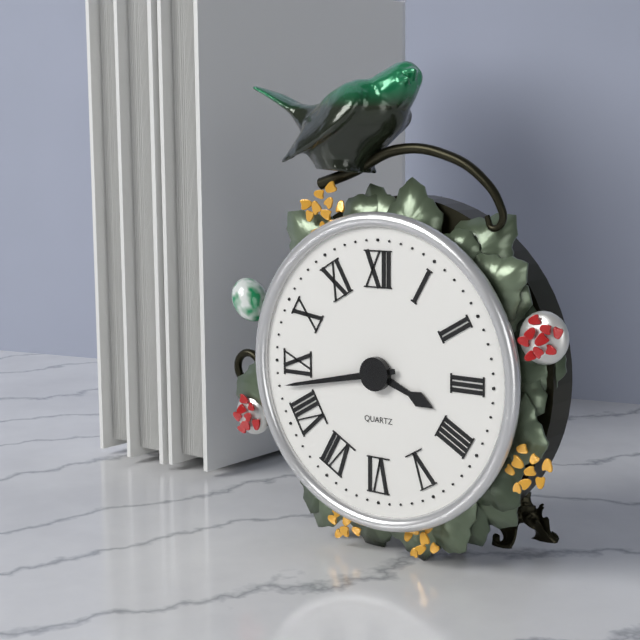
3:43
